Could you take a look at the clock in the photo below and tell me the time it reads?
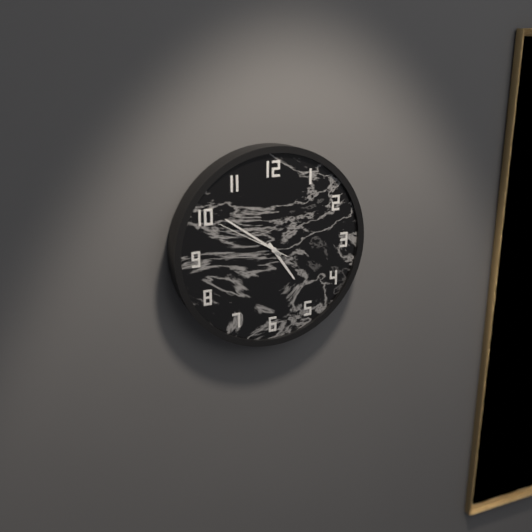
4:51:50
